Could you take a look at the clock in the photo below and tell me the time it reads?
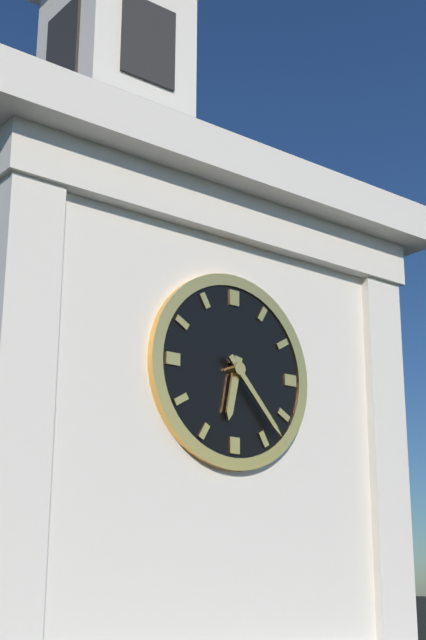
6:23
